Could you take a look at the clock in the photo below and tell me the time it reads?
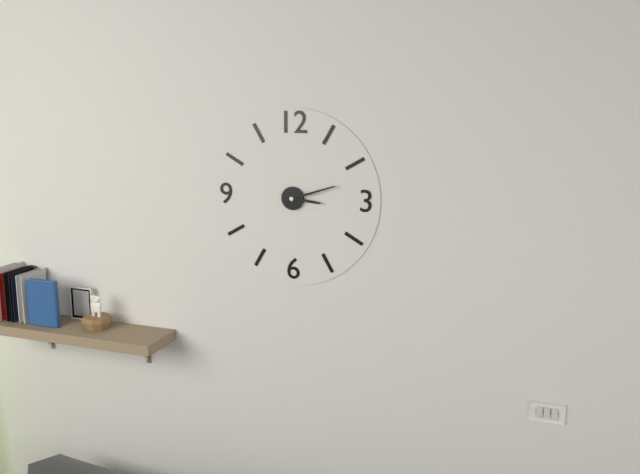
3:12
